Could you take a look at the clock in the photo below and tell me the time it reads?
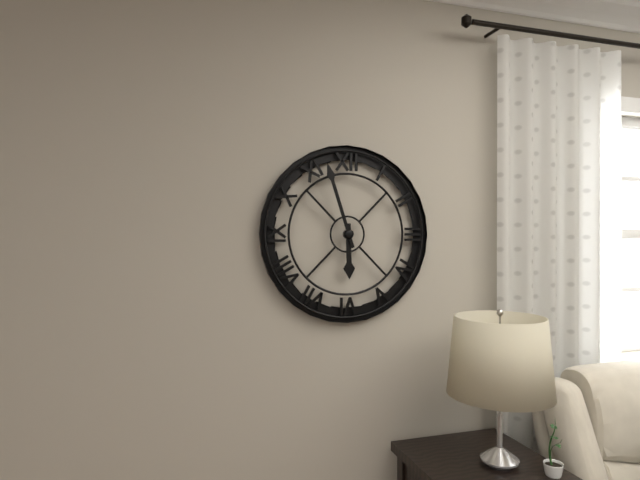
5:57
